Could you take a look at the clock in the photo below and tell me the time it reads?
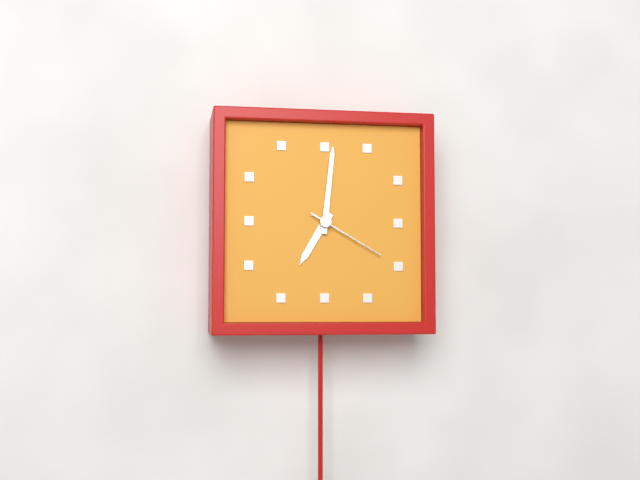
7:01:20
